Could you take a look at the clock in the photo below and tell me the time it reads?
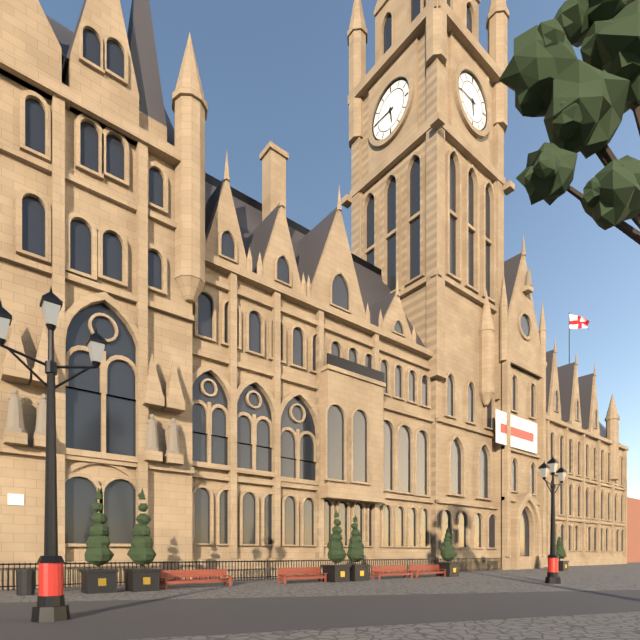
5:45
